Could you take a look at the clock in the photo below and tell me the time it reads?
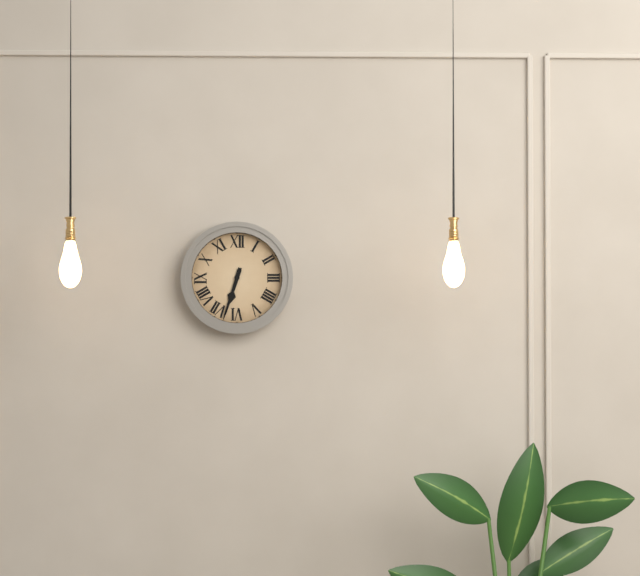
6:33
